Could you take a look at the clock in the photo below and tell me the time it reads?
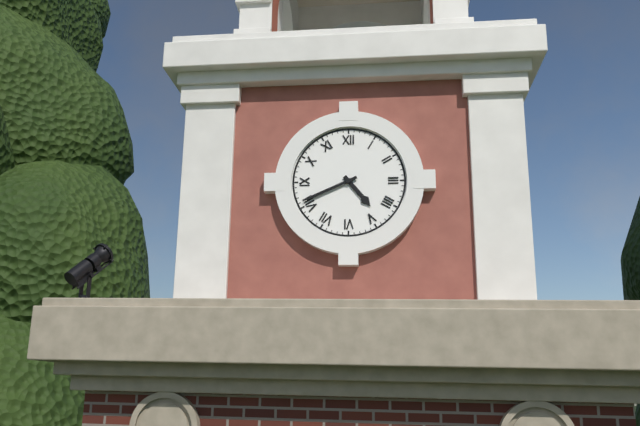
4:41
